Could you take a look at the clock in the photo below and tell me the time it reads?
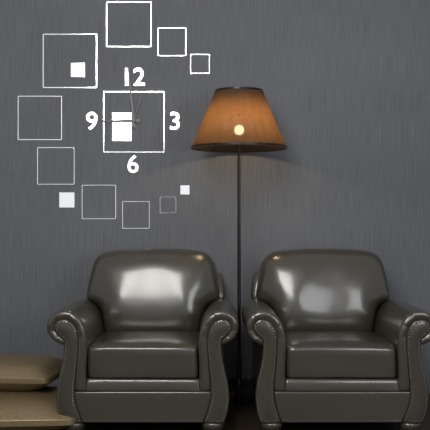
8:59:03
